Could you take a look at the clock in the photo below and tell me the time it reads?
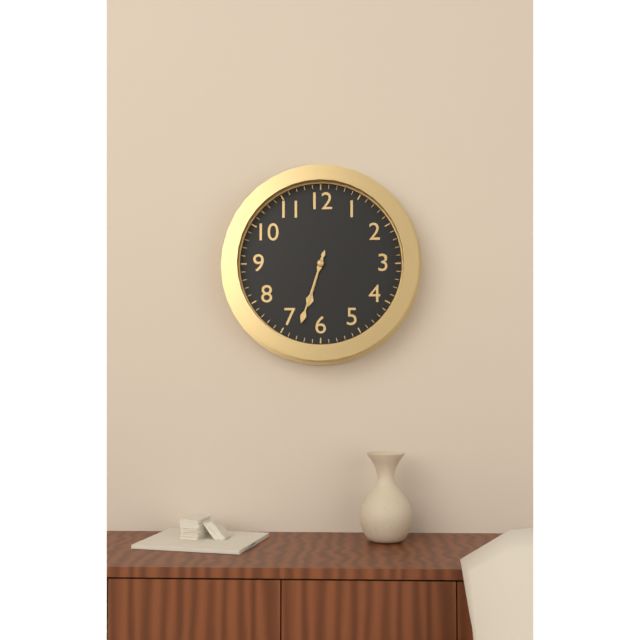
6:33
